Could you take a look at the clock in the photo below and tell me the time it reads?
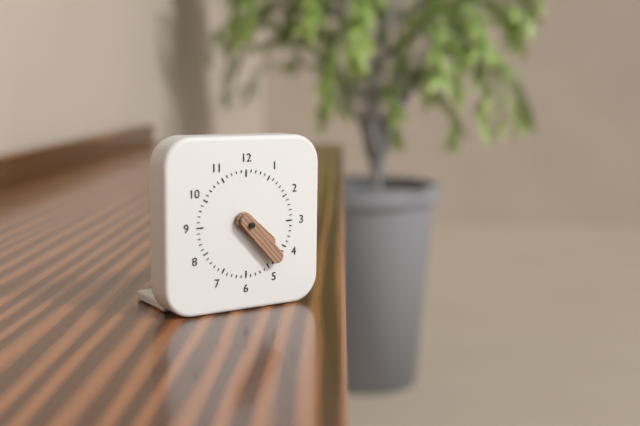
4:23
